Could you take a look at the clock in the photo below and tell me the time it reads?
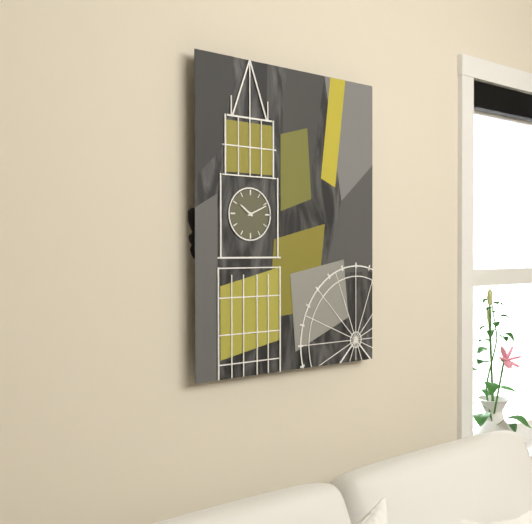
10:11
